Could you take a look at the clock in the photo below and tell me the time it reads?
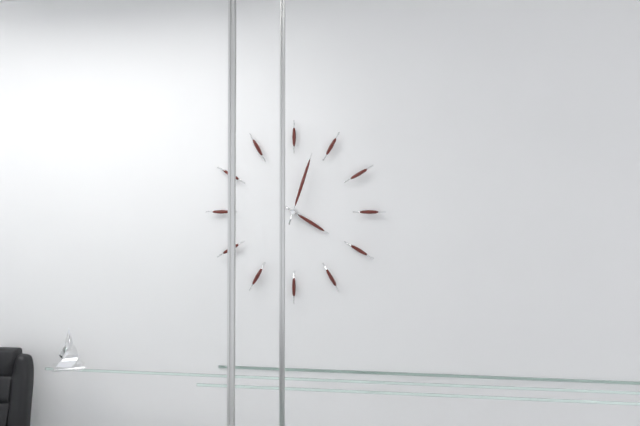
4:03
